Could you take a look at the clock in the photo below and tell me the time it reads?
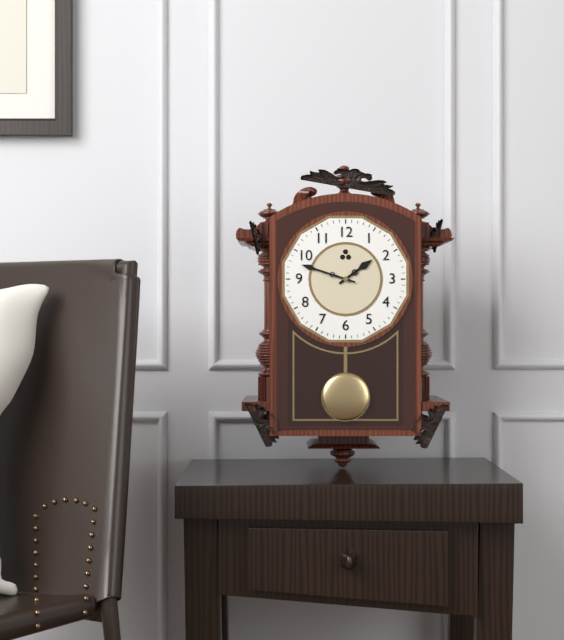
1:48
